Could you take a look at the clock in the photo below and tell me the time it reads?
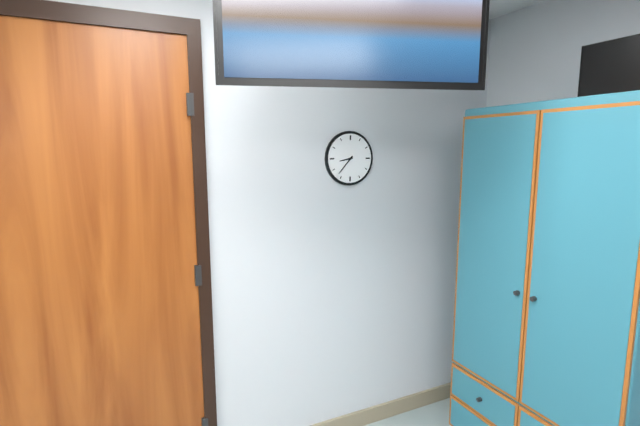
8:37
